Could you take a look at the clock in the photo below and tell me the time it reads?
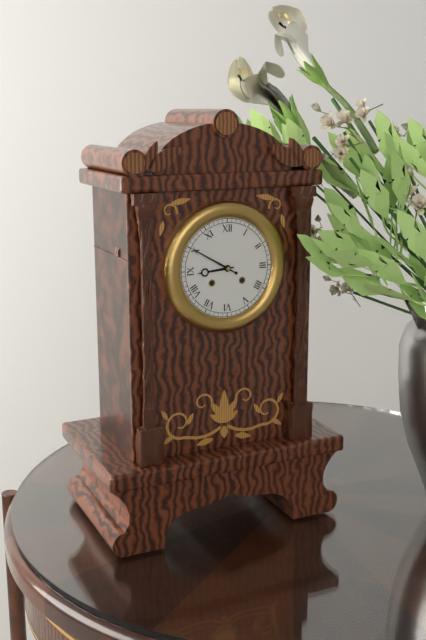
8:50
